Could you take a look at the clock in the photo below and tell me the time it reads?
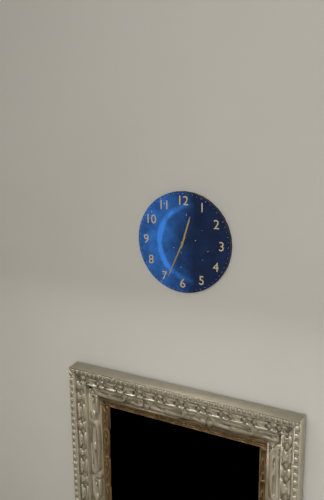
12:34
